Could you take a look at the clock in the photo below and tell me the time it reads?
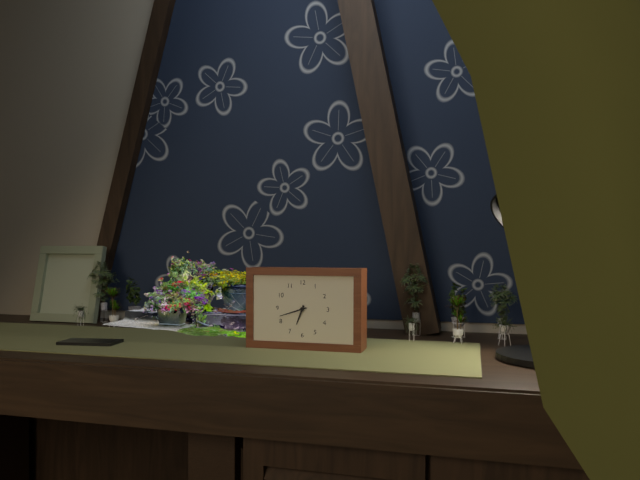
6:42
